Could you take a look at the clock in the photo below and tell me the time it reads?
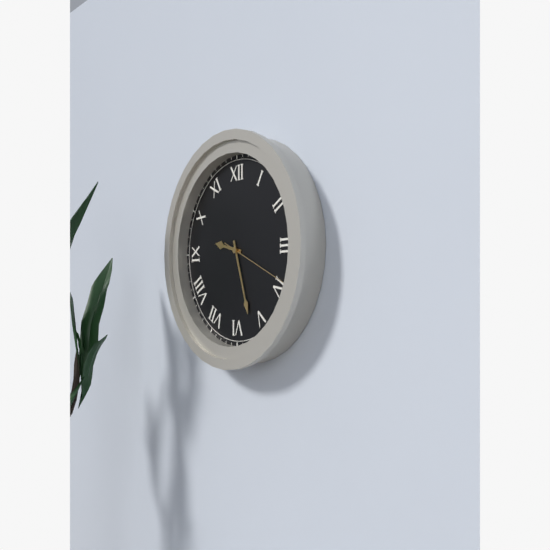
9:27:19
